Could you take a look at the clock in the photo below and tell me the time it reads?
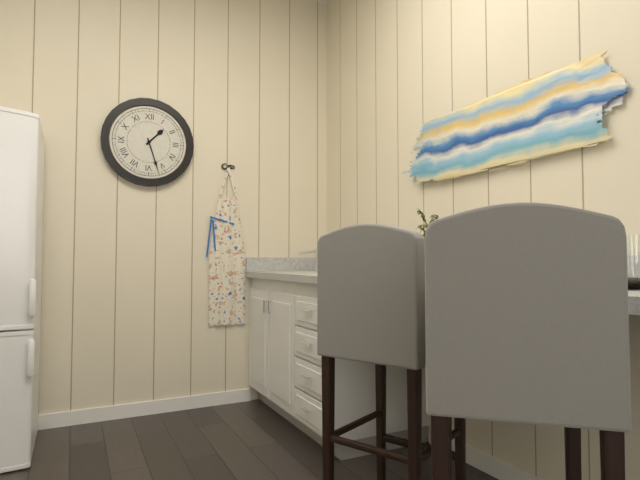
1:27
